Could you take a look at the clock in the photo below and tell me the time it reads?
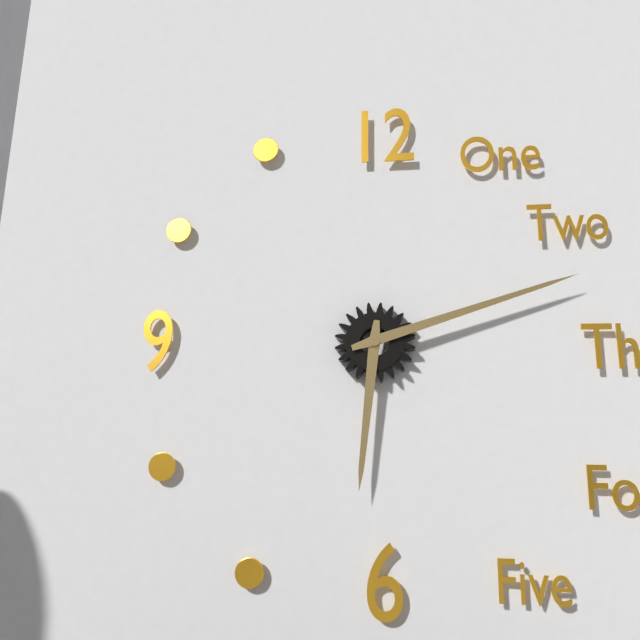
6:12
